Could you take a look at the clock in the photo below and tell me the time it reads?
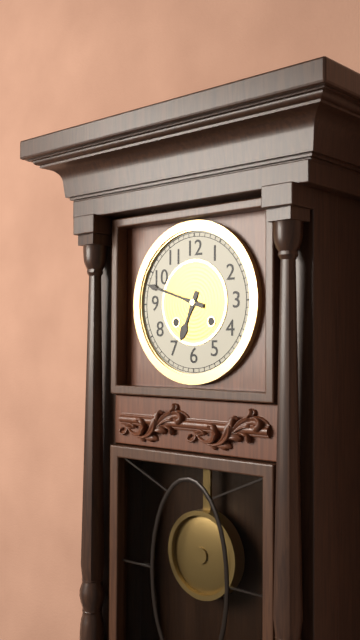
6:48
